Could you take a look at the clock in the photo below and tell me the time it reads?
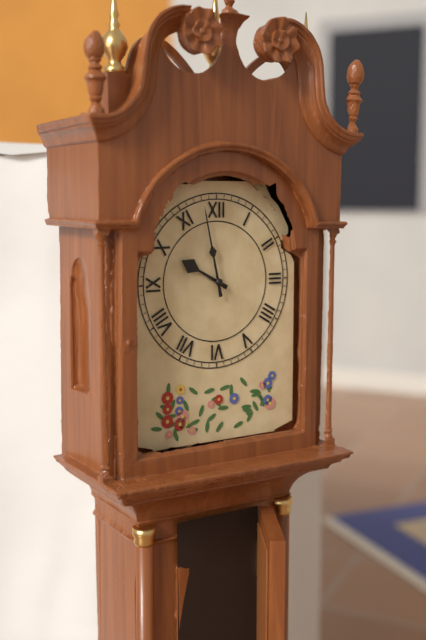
9:58
